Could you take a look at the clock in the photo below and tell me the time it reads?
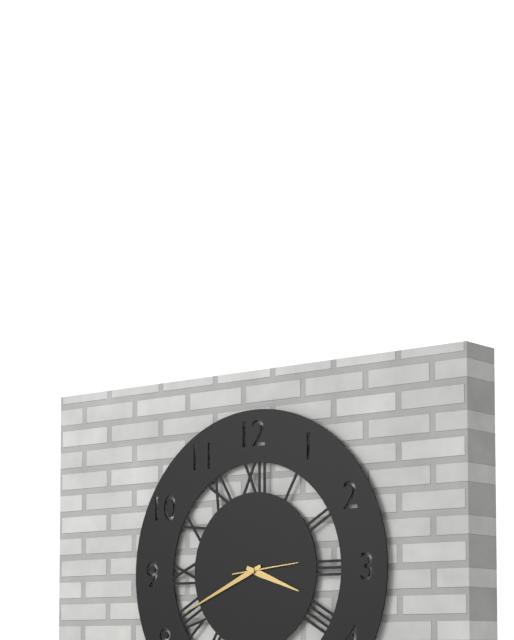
3:41:14
